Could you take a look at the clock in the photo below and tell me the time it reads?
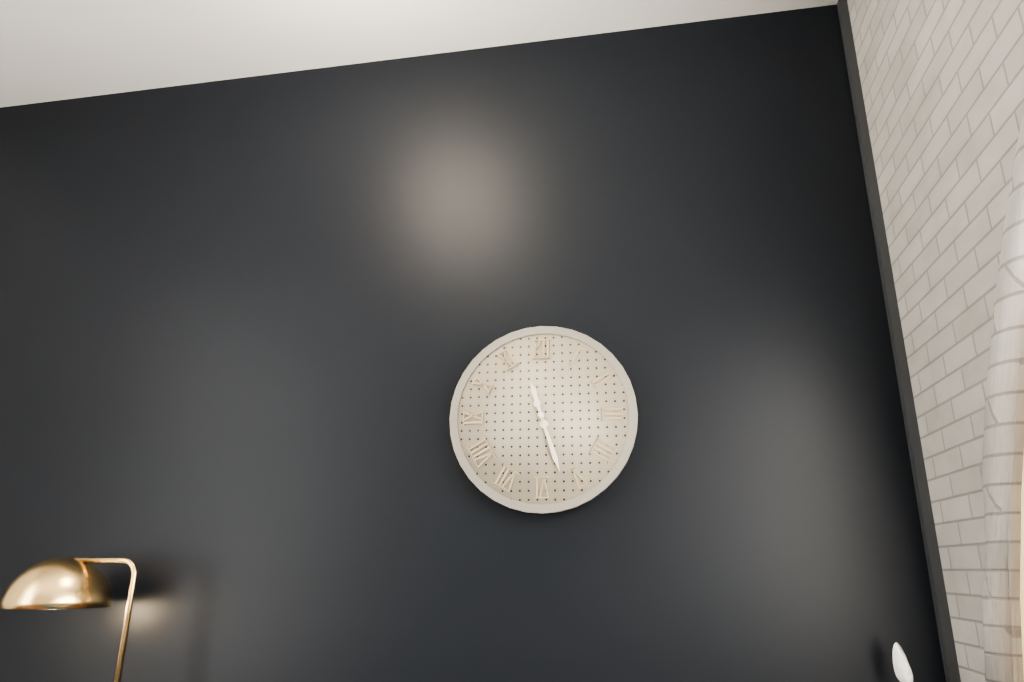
11:27
